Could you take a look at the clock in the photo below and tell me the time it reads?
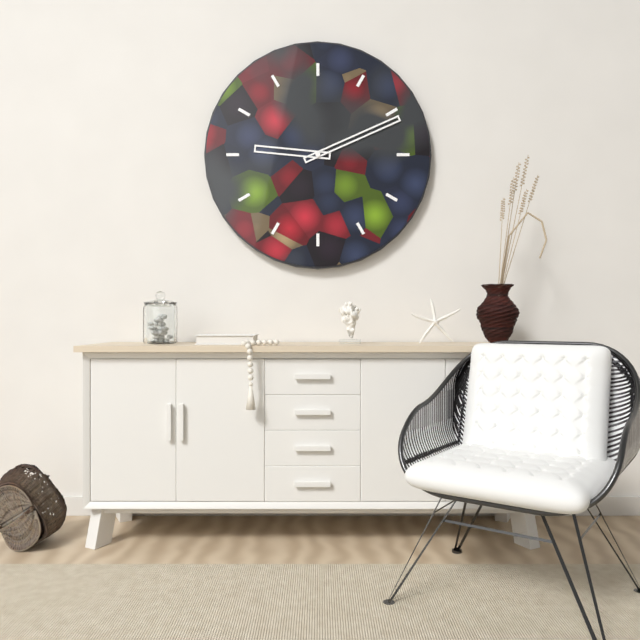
9:11
